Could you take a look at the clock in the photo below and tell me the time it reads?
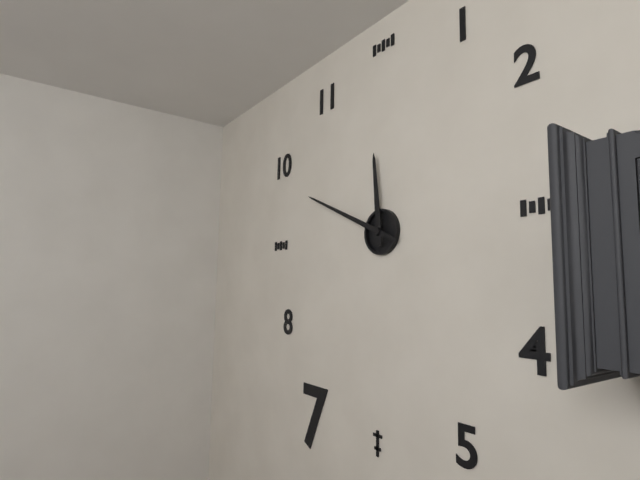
11:49
